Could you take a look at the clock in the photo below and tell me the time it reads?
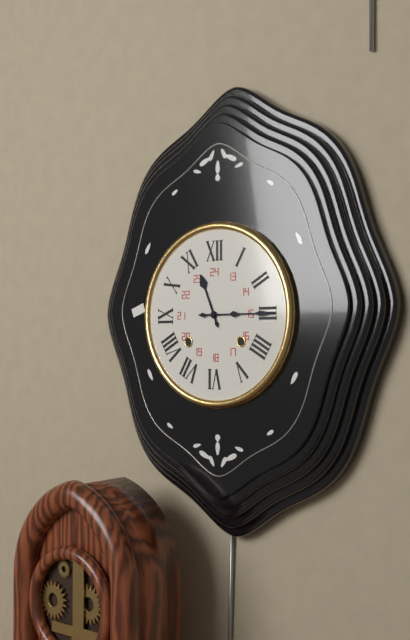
11:15
